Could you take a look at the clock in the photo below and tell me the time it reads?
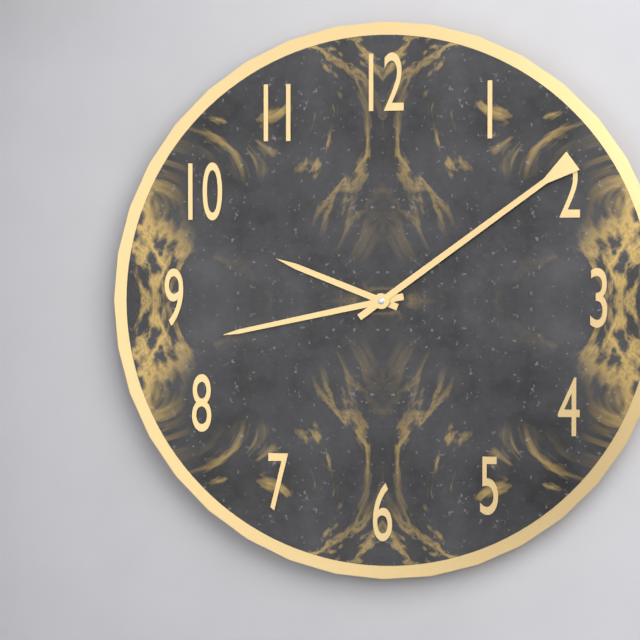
9:43:09
